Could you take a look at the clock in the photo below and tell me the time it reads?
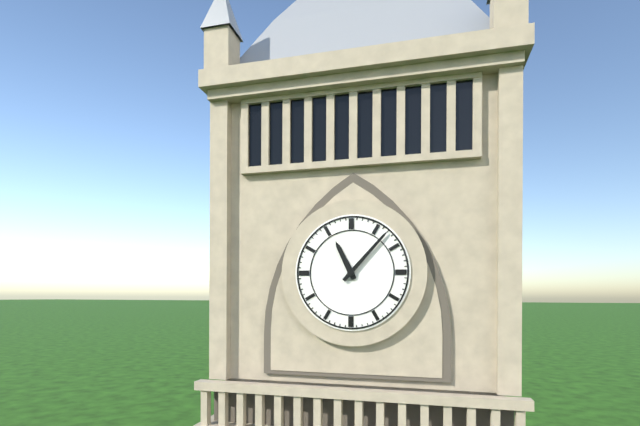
11:07
